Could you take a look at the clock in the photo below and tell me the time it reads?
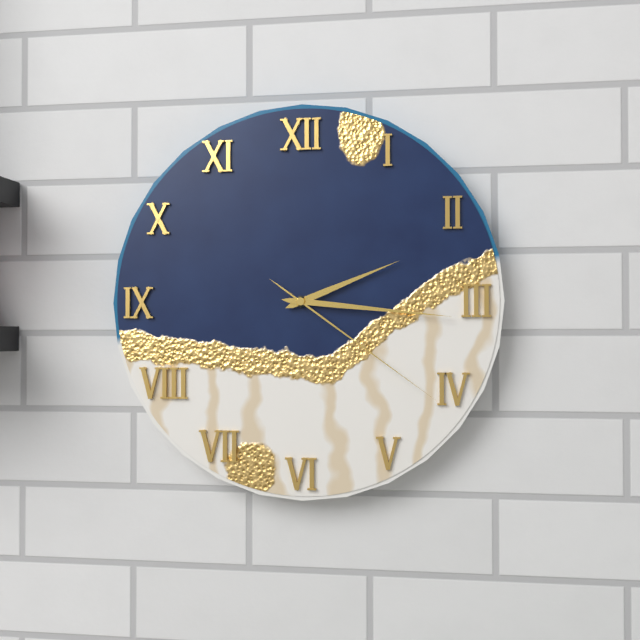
2:16:21
